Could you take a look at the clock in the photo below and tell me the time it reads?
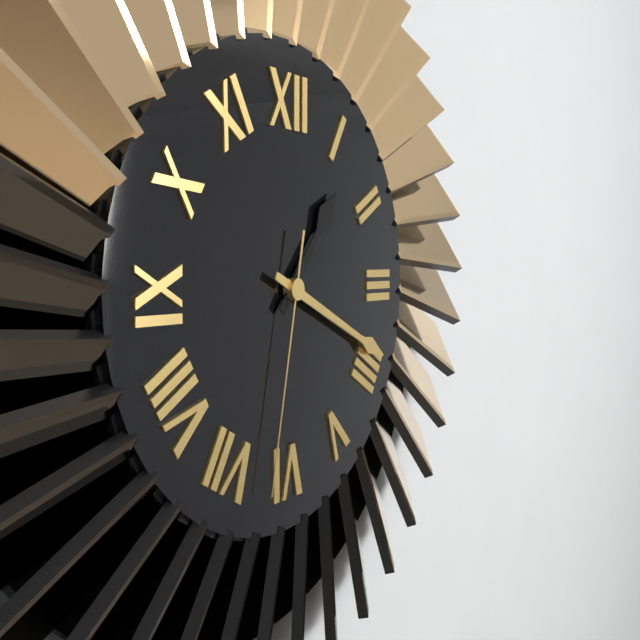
1:19:32
